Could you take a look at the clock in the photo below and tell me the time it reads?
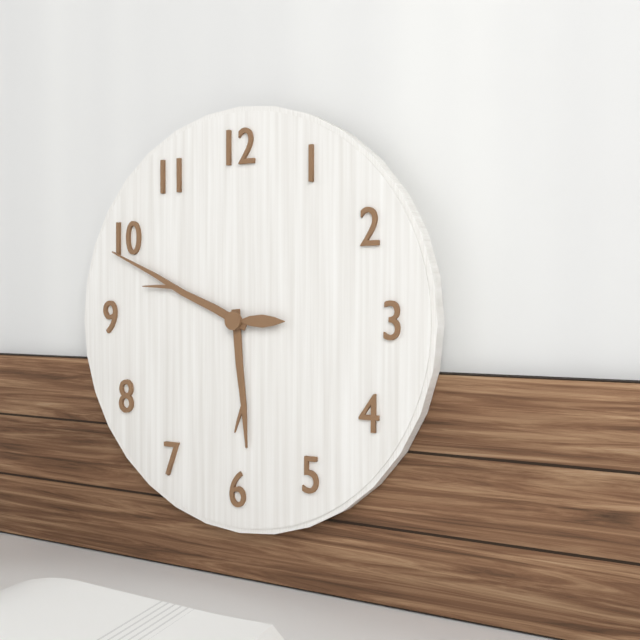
5:49:15
